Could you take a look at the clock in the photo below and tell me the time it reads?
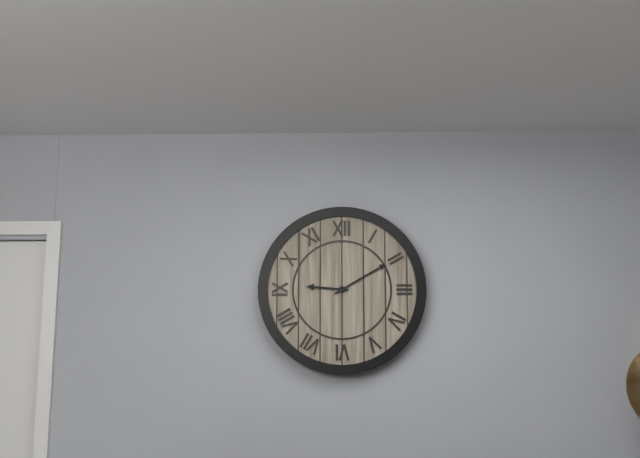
9:10
